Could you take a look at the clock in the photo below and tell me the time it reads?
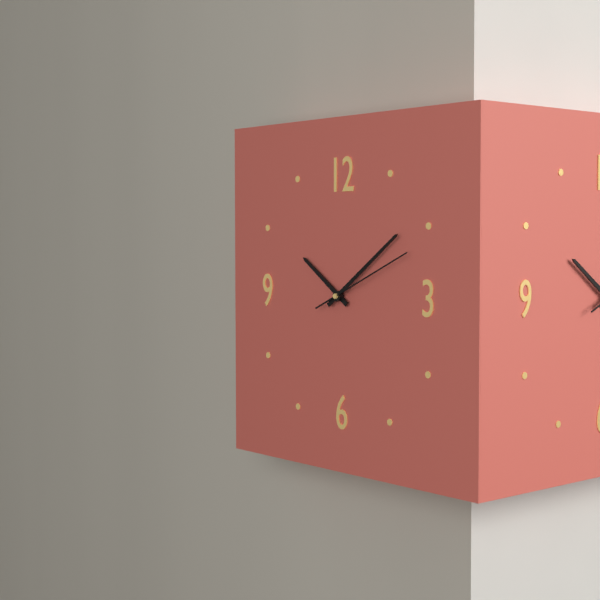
10:09:11
